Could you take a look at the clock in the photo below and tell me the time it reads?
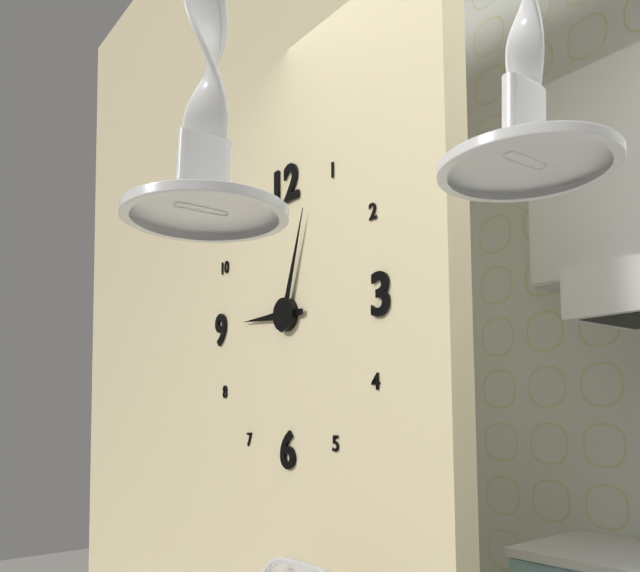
9:03
